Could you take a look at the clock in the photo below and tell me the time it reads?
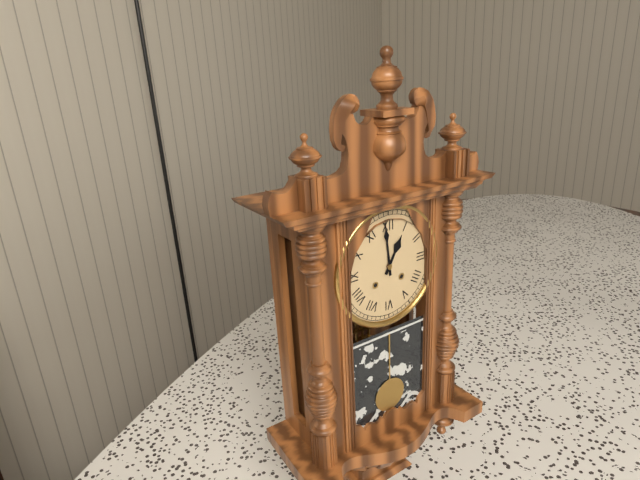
12:59
